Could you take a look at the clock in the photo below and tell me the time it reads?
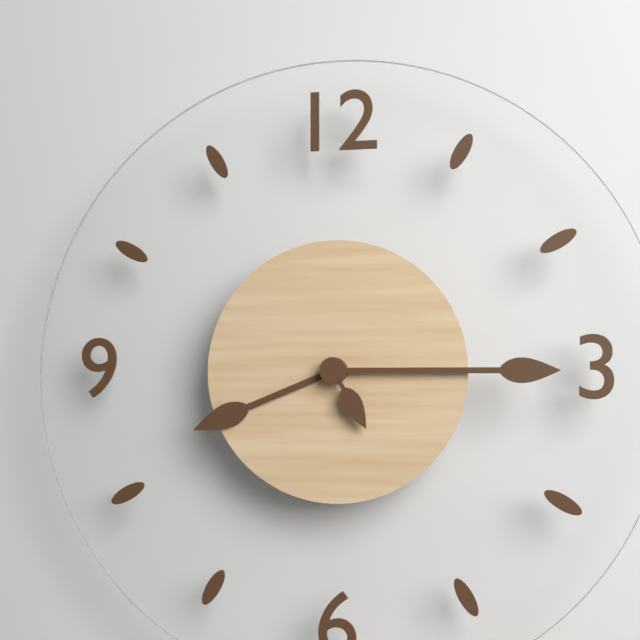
8:15:25
